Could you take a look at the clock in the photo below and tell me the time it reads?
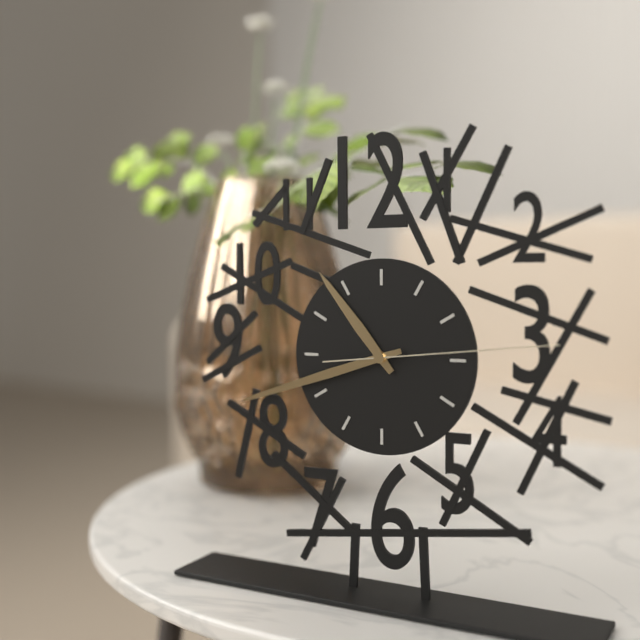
10:42:14
